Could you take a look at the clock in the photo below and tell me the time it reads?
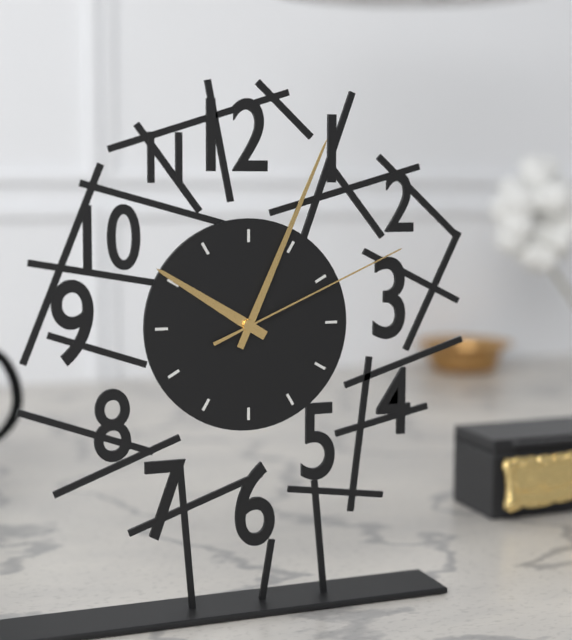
10:04:11
